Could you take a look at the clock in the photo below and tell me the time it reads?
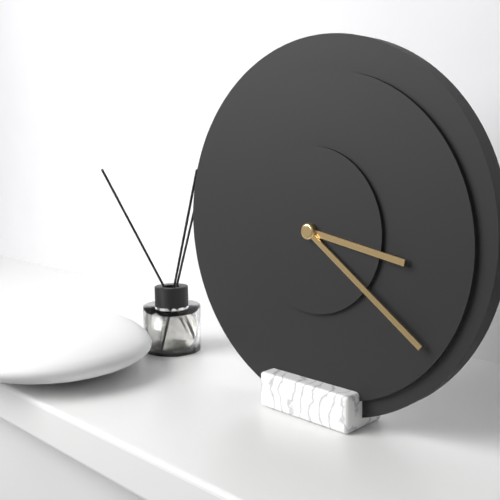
3:21
